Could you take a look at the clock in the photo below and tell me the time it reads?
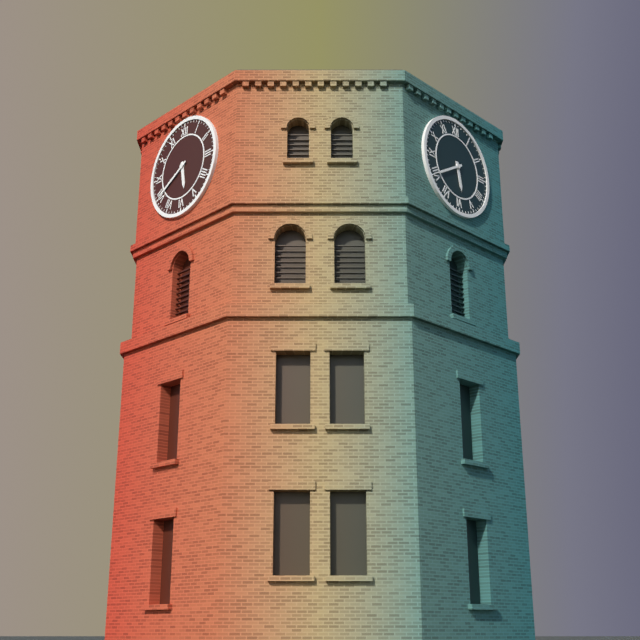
5:40
